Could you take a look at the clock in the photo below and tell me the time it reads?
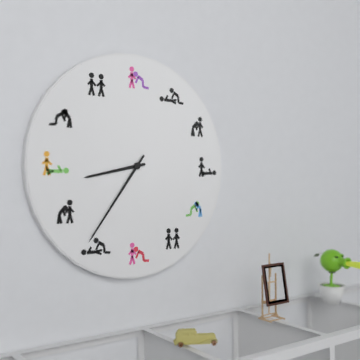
8:36
